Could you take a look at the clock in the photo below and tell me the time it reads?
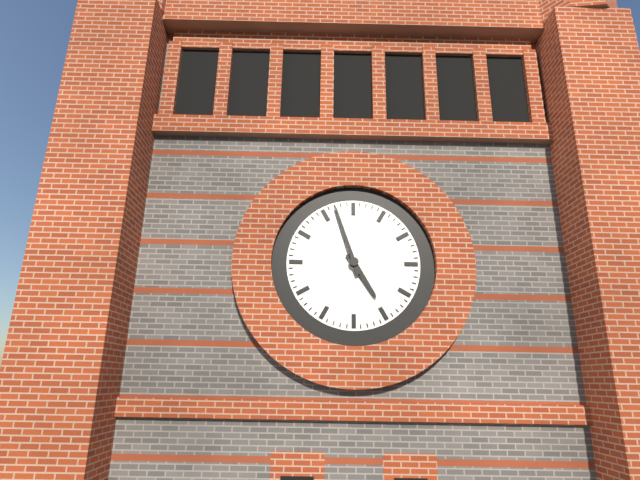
4:57
